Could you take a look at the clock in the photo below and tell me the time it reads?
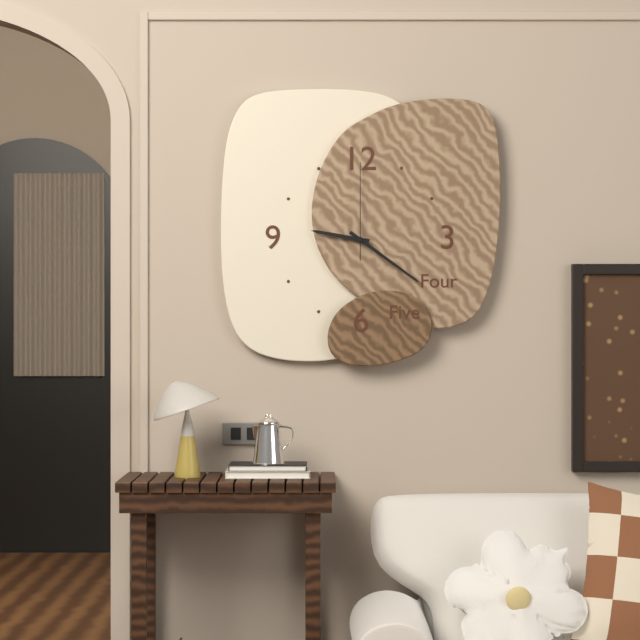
9:21:00
